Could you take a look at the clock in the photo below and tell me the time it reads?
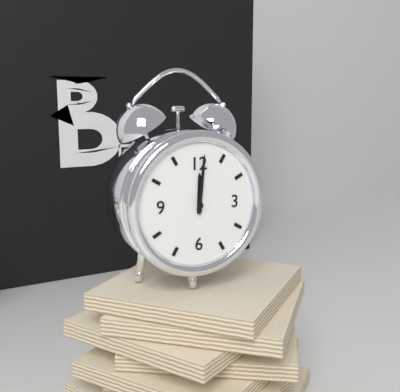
12:01
